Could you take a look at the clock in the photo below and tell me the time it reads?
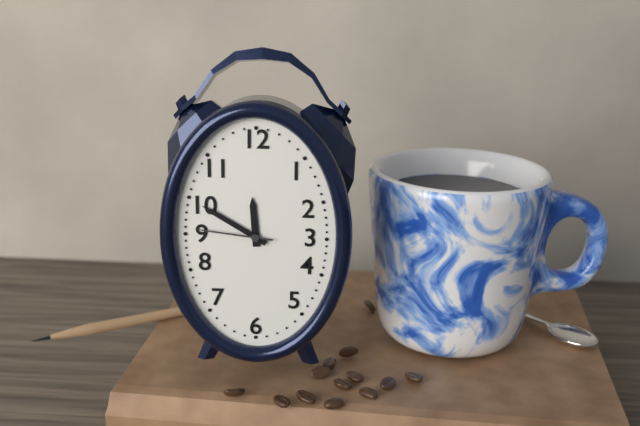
11:50:46
